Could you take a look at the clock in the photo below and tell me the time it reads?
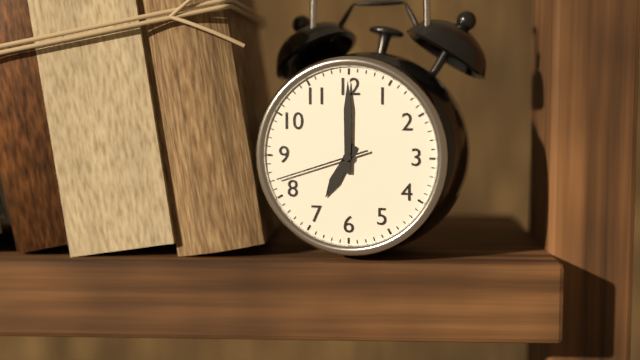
7:00:42
